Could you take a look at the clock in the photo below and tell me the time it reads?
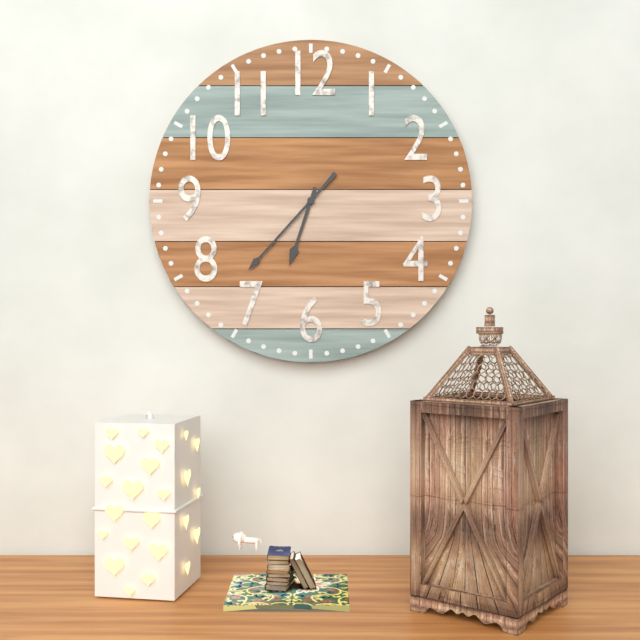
6:37
